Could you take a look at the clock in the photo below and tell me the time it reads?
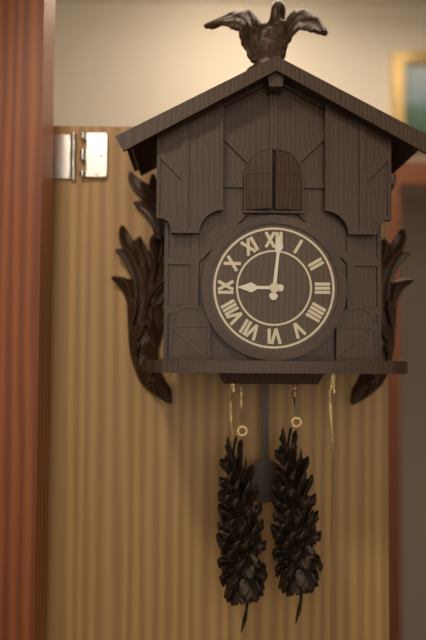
9:01
